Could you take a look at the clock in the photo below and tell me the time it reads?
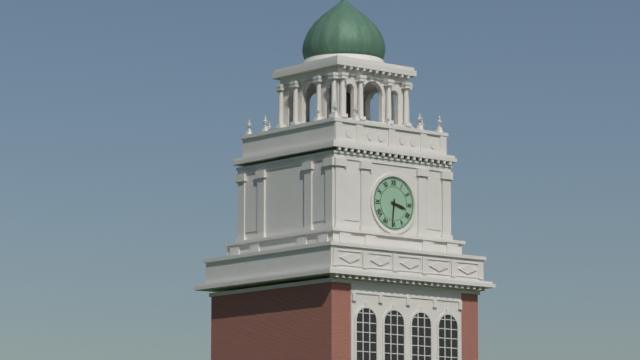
3:31
